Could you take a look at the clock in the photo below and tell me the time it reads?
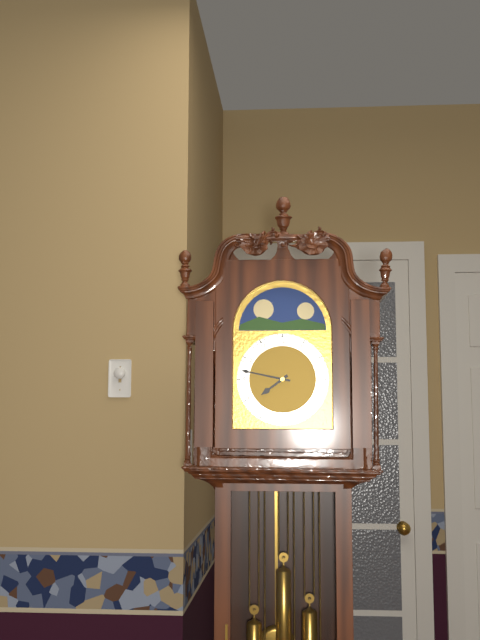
7:47
